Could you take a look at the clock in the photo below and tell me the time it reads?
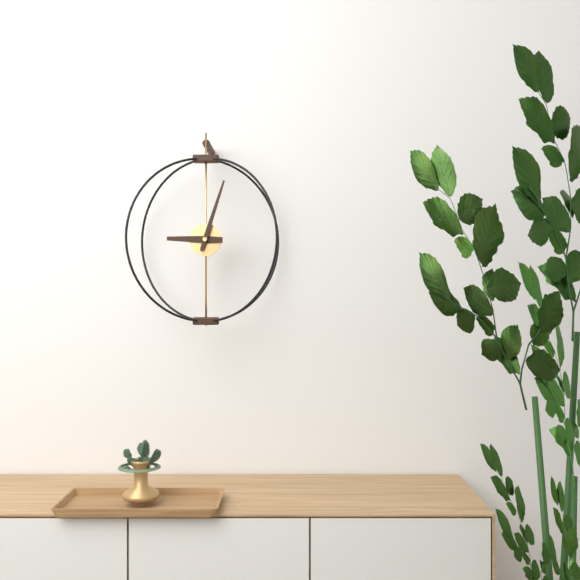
9:03
